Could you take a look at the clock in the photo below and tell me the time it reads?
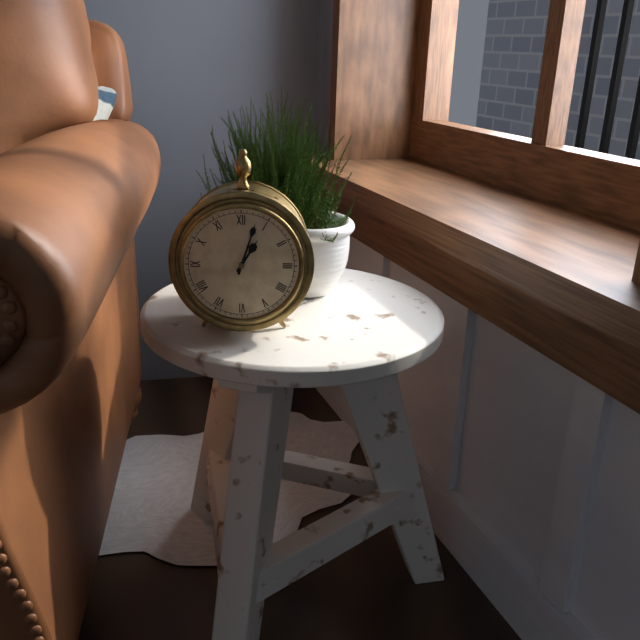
1:03
